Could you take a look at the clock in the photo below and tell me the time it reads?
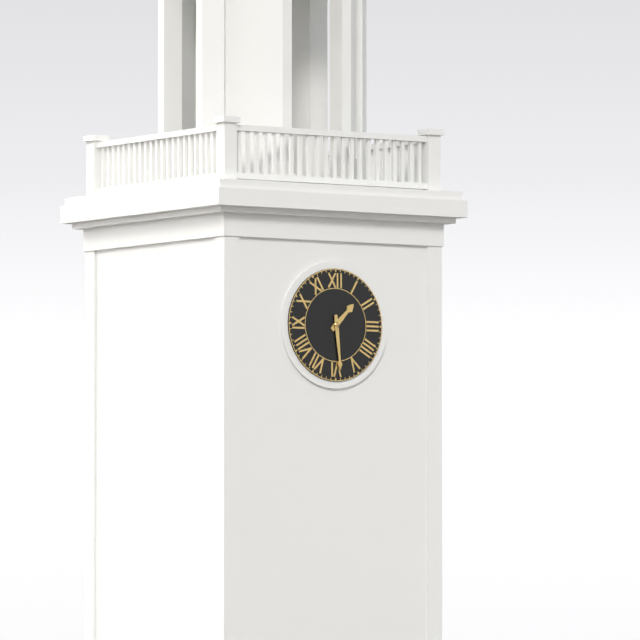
1:29
